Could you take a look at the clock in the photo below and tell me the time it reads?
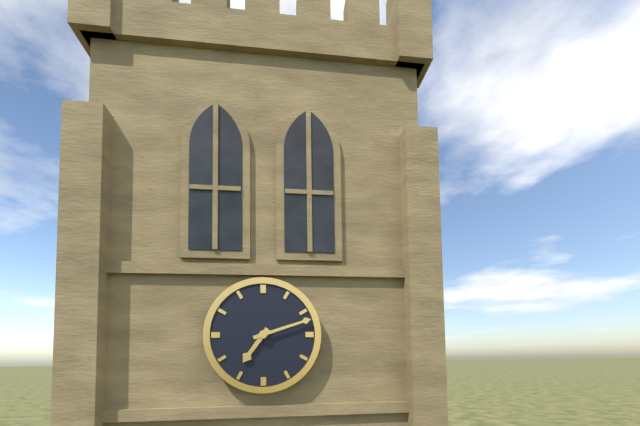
7:12
